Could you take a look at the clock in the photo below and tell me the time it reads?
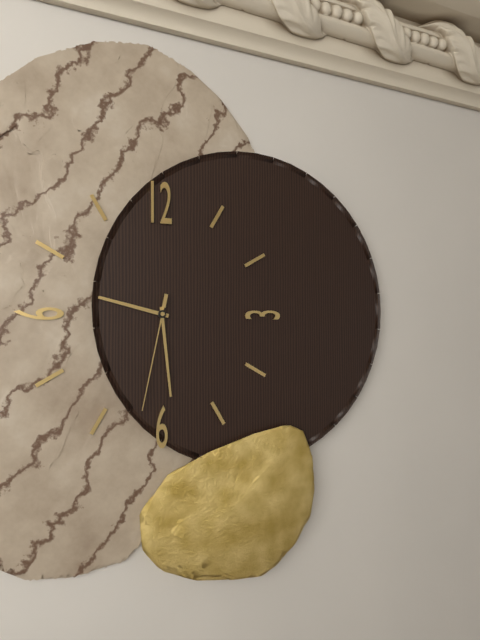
9:29:32
